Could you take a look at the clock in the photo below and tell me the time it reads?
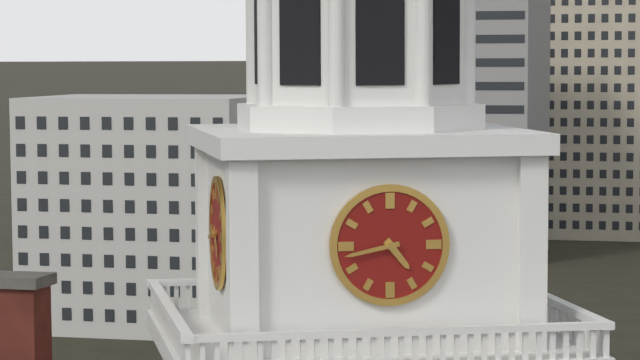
4:43
